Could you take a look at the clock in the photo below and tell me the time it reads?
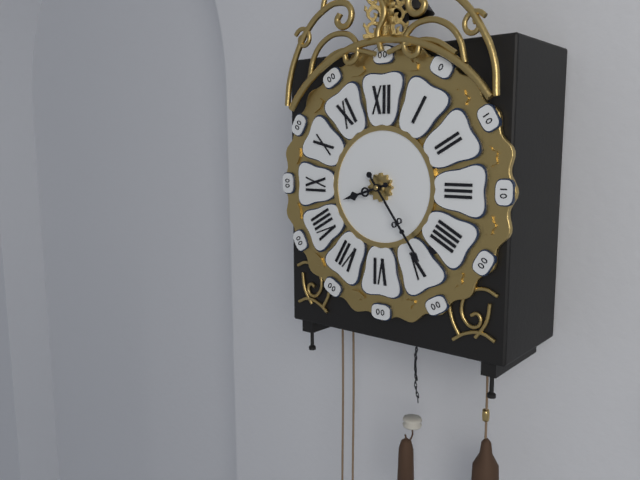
8:24
